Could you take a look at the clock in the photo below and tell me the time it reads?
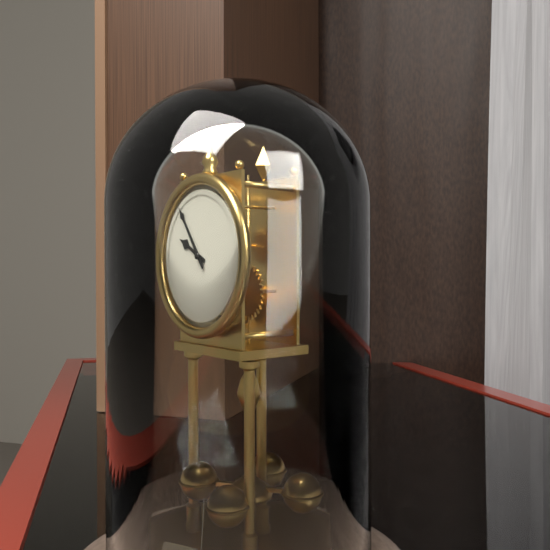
9:54
